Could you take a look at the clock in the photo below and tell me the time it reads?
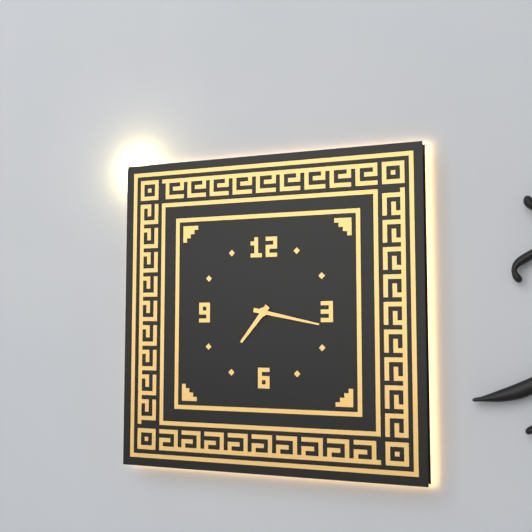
7:17
